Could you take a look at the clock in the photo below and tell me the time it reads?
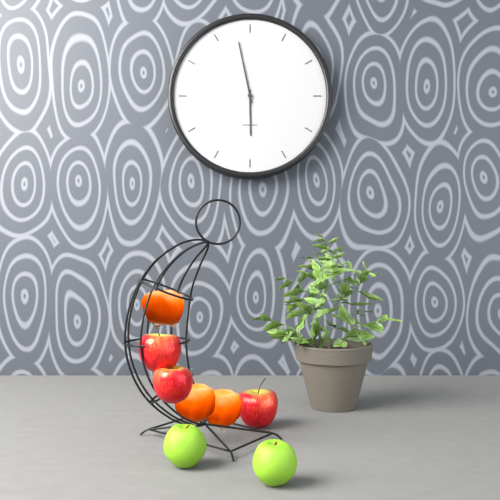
5:58
